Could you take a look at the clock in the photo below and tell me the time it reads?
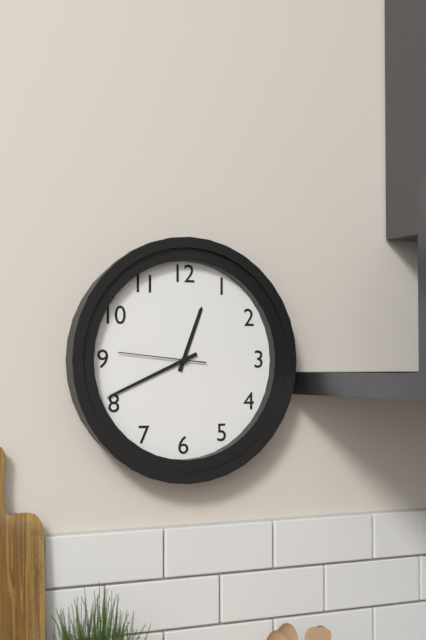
12:41:46
